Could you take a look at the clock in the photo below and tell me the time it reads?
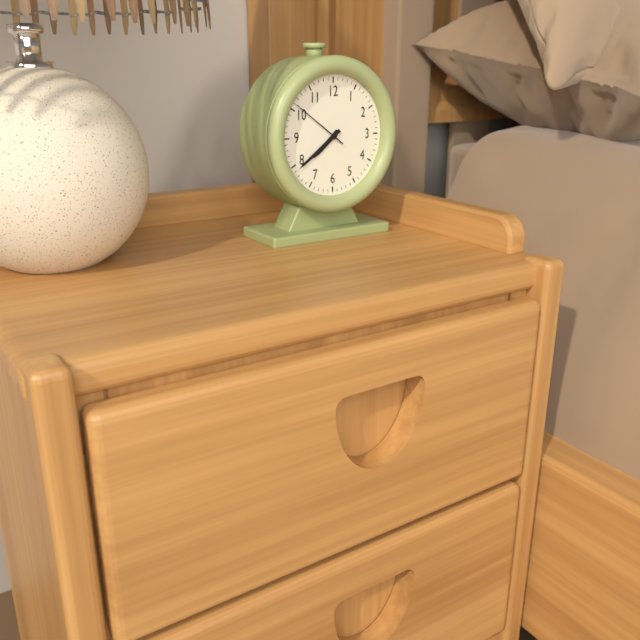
7:39:51
